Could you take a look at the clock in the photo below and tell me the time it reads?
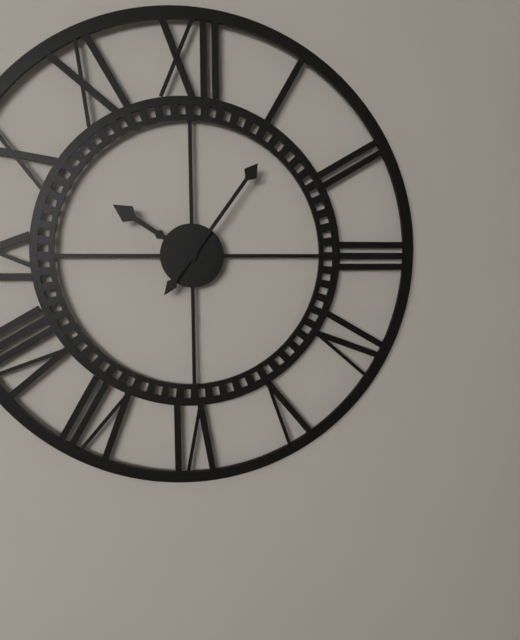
10:06
